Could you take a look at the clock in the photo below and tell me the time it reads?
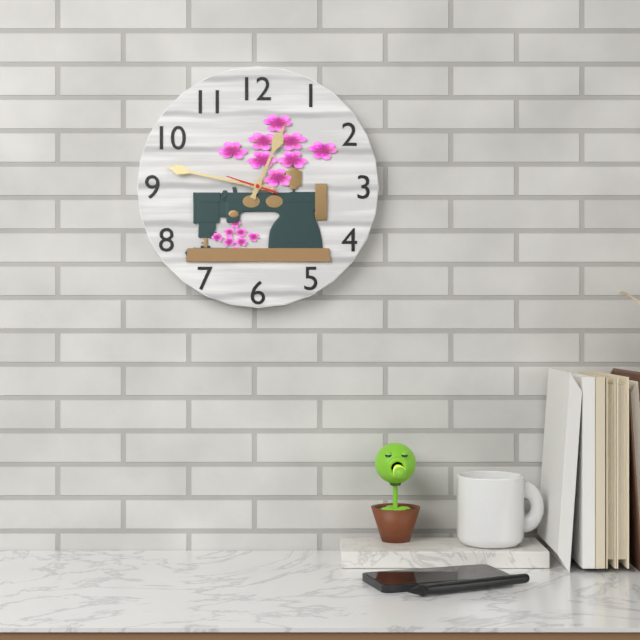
12:47
